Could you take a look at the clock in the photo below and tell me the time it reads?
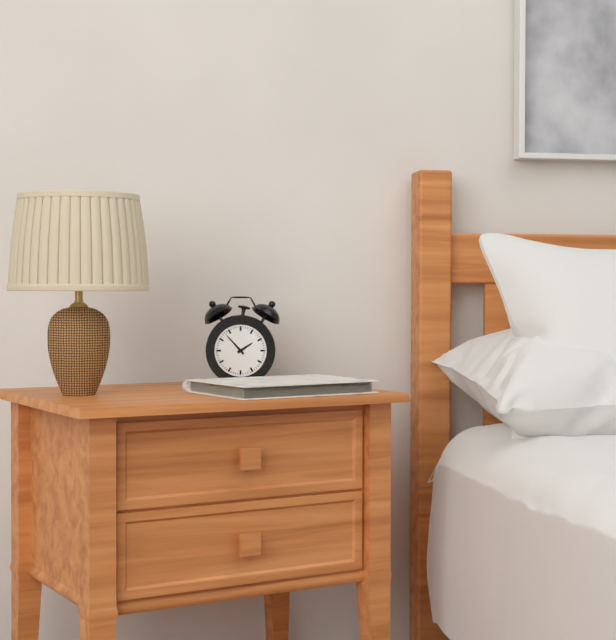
1:53
